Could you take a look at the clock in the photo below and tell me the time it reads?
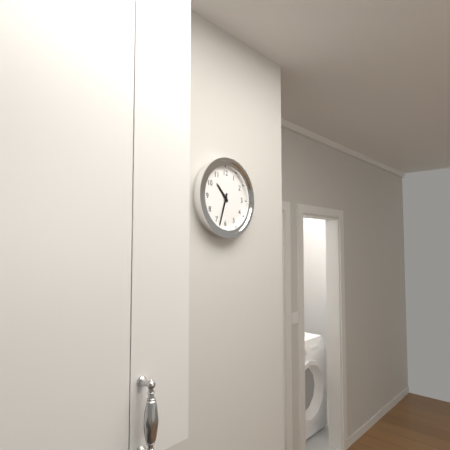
10:33
